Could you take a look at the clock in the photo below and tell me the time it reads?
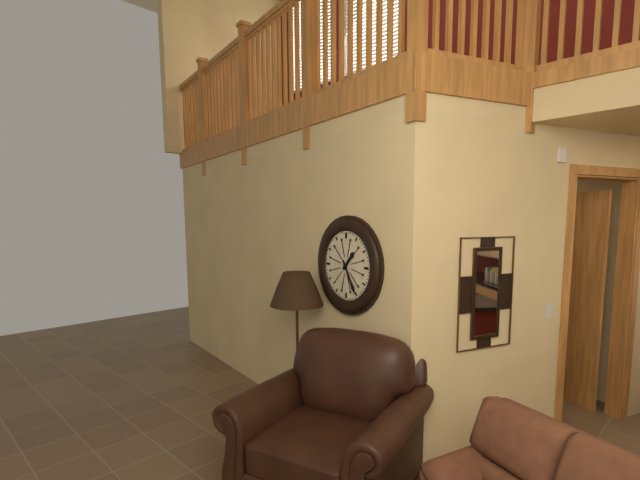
1:25
